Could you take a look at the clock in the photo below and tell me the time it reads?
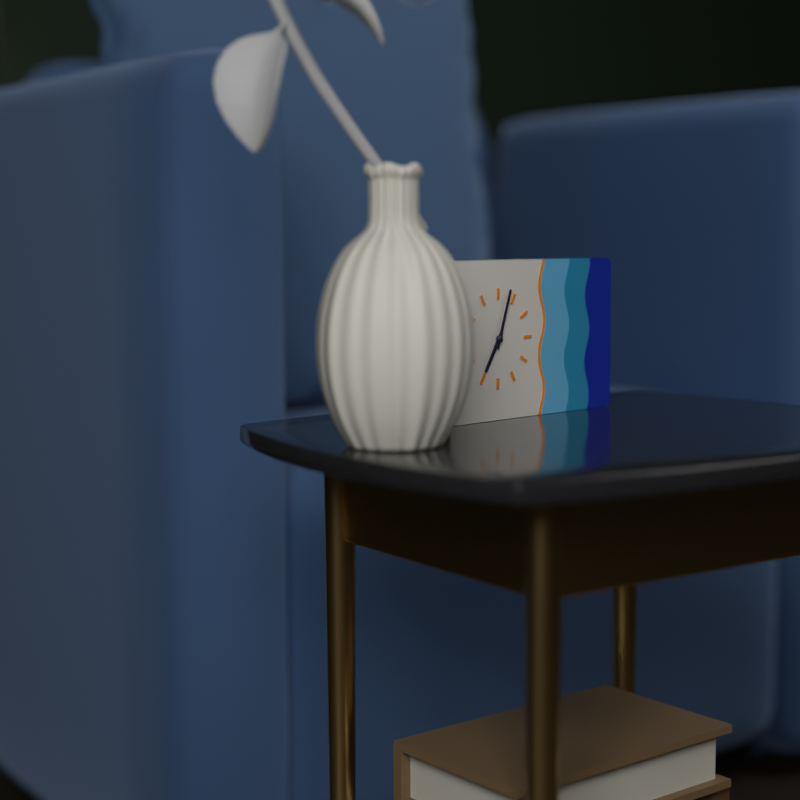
7:03
